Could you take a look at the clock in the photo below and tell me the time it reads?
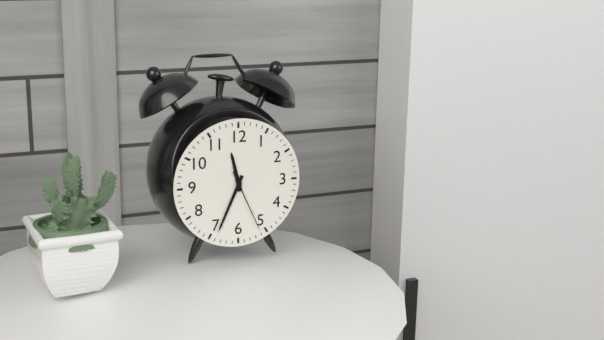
11:34:26
